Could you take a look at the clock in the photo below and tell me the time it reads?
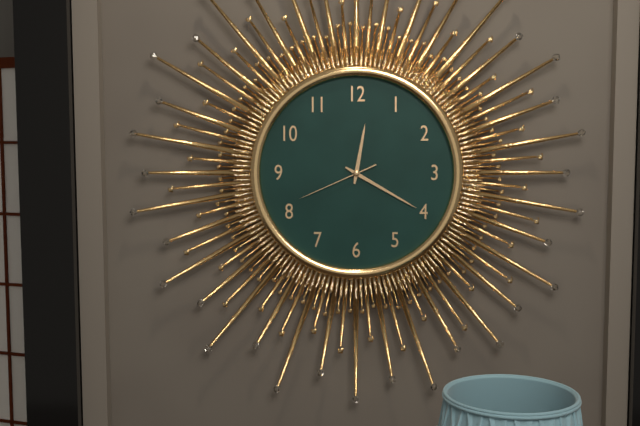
12:20:41
